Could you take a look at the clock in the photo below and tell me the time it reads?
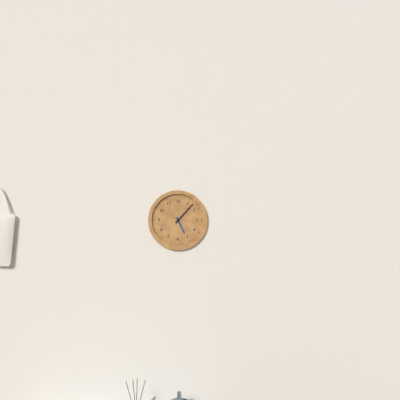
5:07
